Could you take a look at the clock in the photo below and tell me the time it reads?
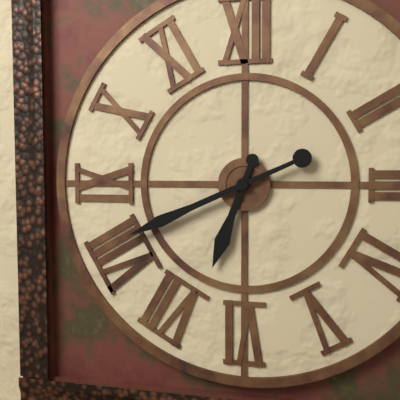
6:41
